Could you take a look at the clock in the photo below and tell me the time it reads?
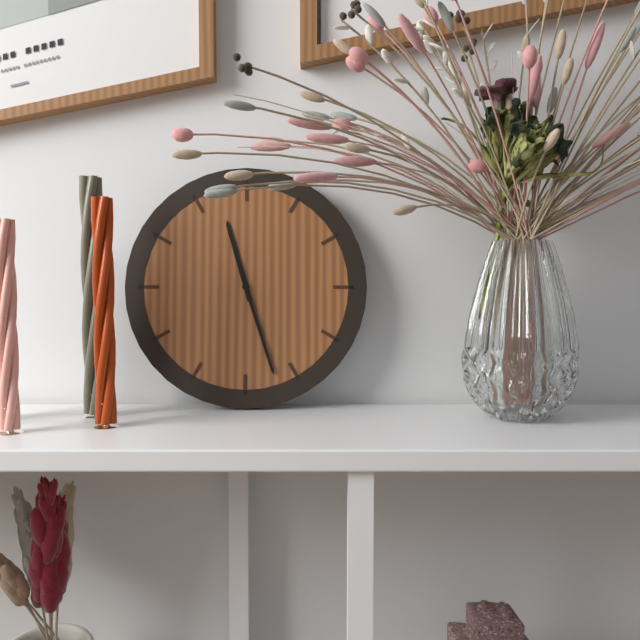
11:27
